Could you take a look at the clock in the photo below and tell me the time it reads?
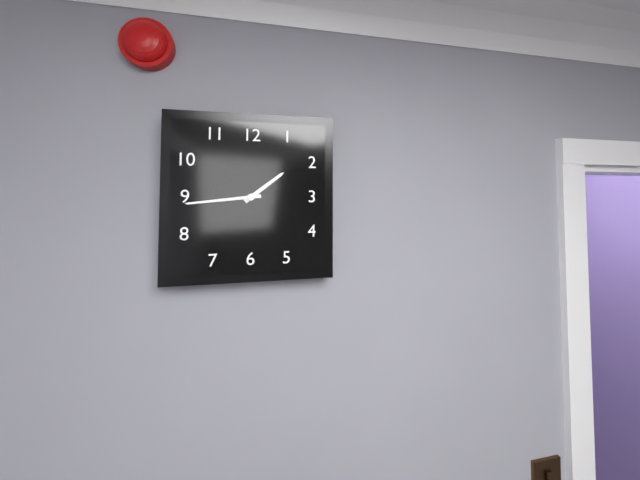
1:44
